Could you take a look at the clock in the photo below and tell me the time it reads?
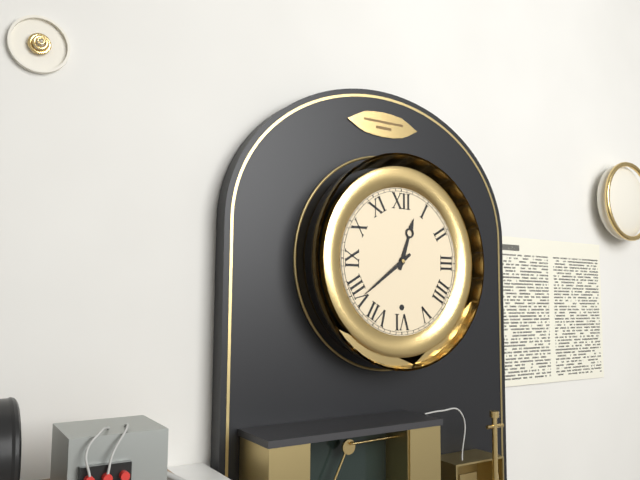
12:39
